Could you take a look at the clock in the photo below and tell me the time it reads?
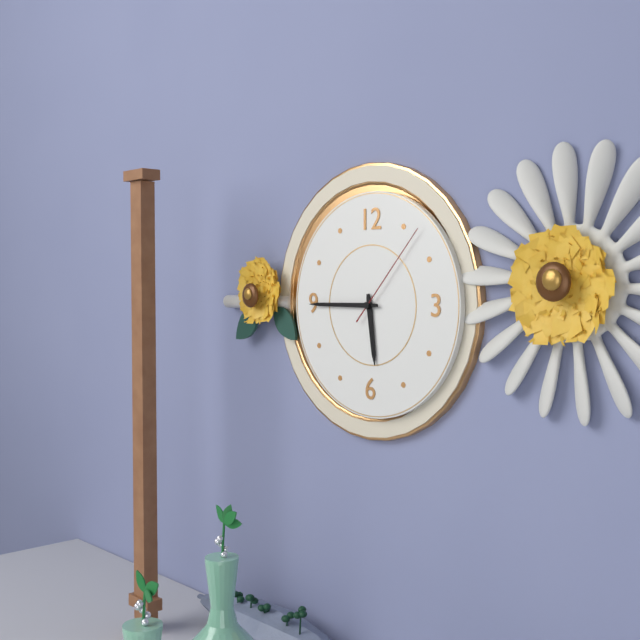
5:45:07
